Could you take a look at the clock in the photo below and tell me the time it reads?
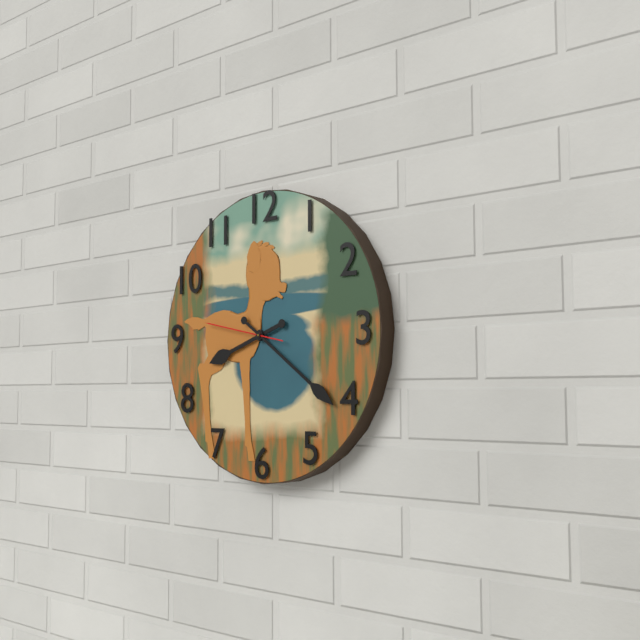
8:21:47
